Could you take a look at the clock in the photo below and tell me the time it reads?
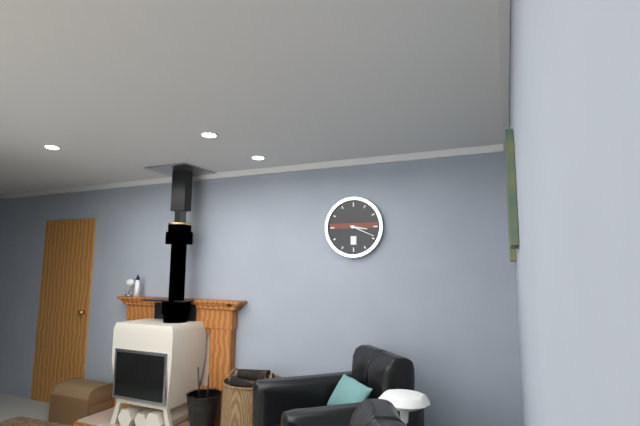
3:19
